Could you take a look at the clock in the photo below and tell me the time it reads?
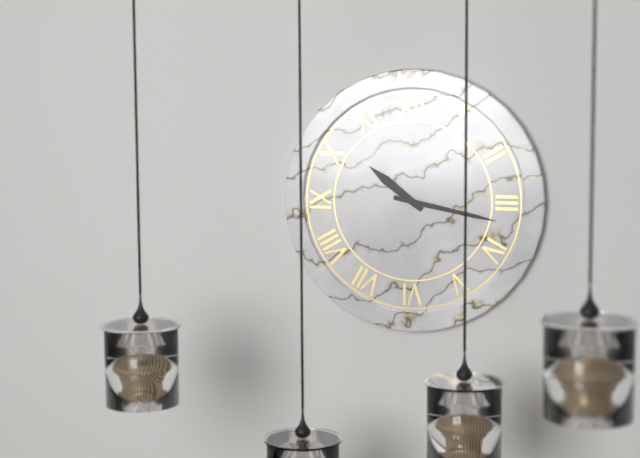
10:17
